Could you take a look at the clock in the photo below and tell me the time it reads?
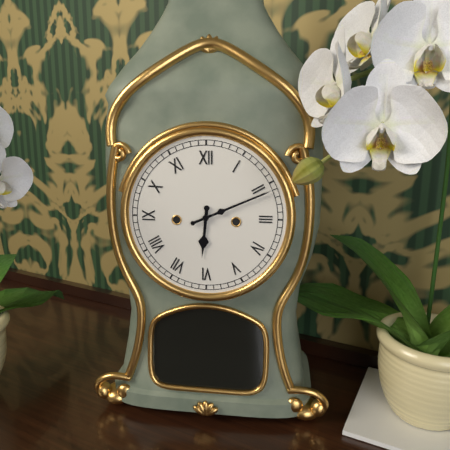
6:11
